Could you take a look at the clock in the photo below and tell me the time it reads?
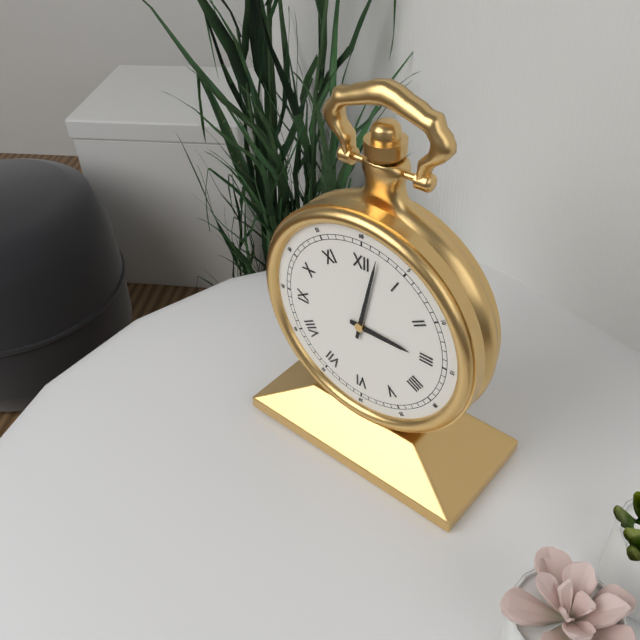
3:02
